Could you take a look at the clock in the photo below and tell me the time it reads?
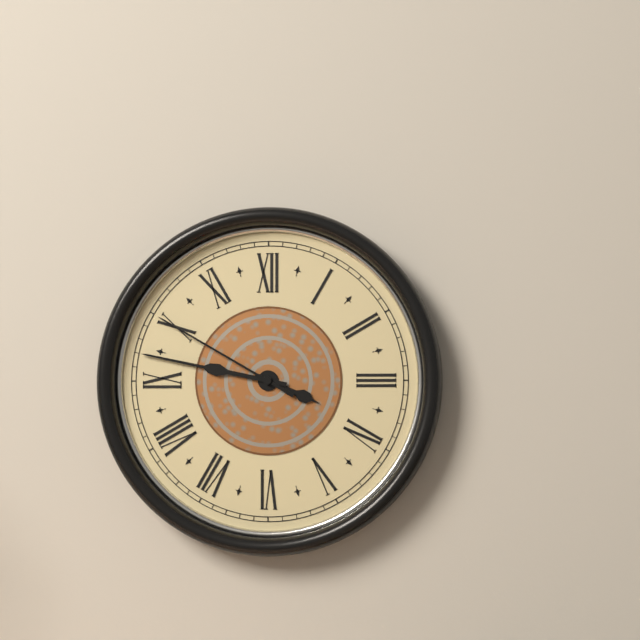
3:47:50
